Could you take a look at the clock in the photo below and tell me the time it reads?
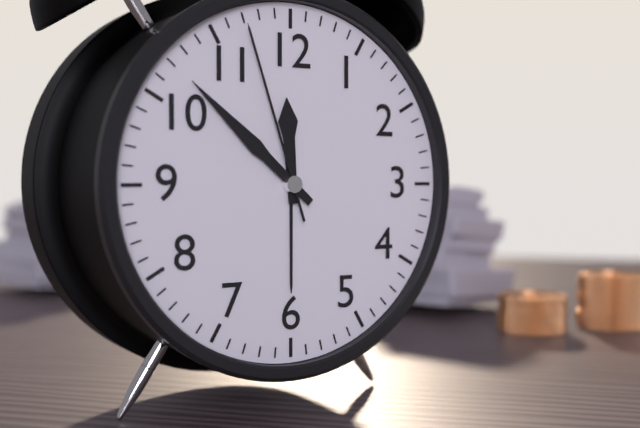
11:52:57
